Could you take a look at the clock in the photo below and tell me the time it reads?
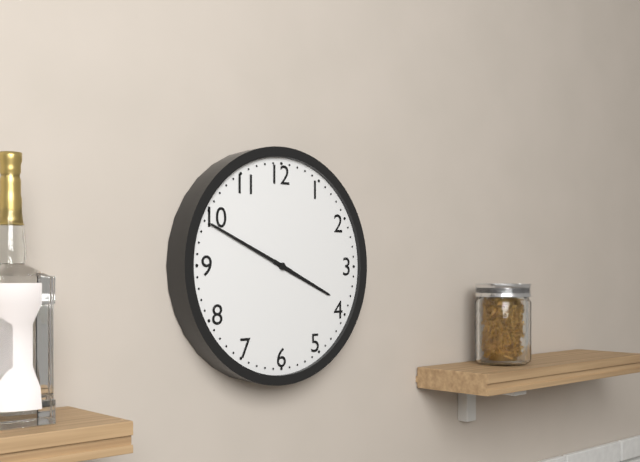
3:49
